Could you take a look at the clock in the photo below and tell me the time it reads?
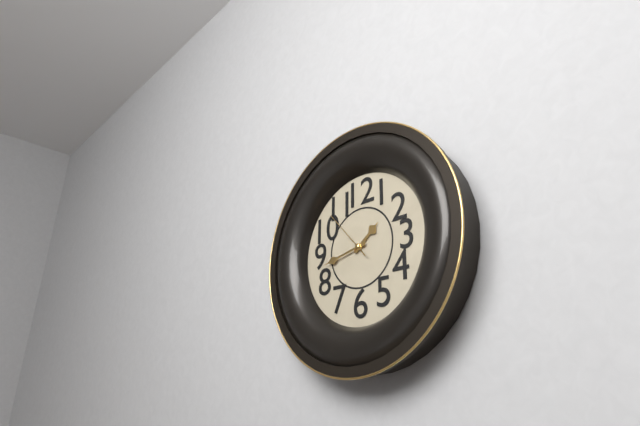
1:43:53
